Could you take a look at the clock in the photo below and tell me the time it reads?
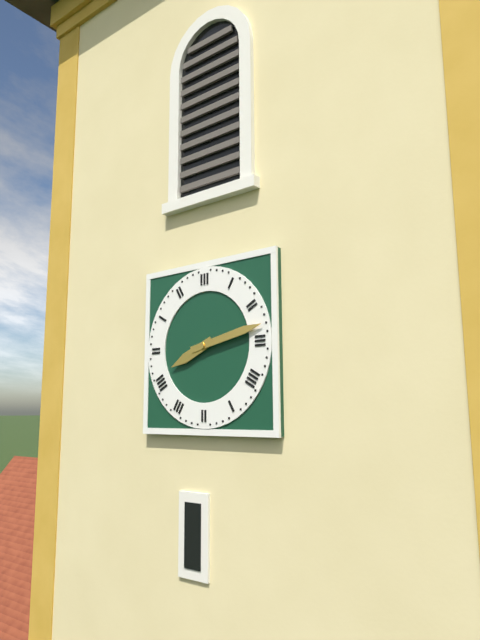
8:13
